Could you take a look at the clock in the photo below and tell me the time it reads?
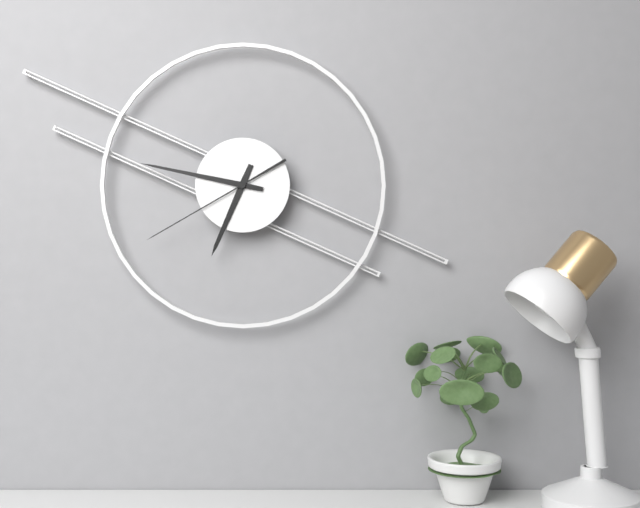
6:47:40
